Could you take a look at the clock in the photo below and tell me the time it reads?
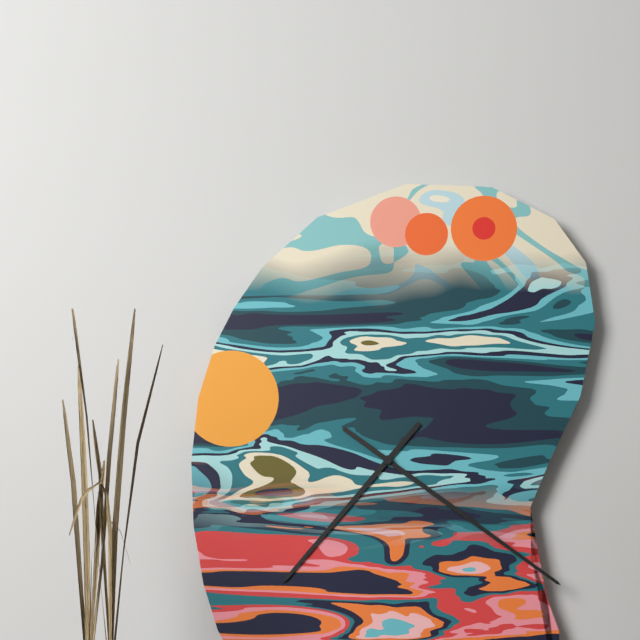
7:21
